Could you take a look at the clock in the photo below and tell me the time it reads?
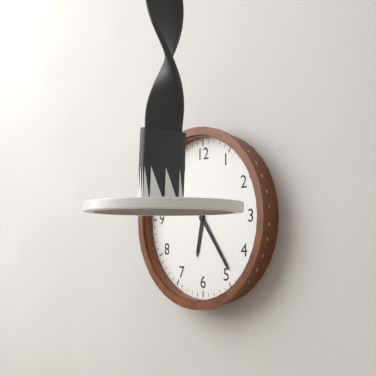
6:24
